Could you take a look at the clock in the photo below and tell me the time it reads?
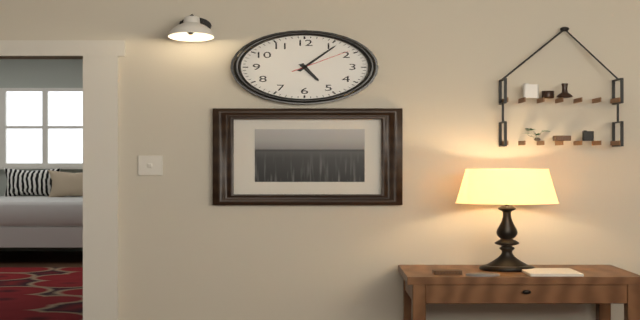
5:06:09
